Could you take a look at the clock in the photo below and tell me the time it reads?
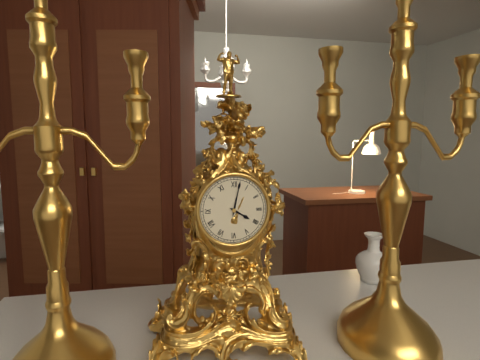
4:02
